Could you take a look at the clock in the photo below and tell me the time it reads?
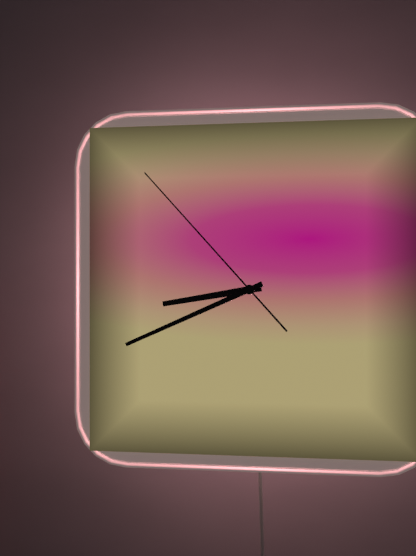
8:41:53
